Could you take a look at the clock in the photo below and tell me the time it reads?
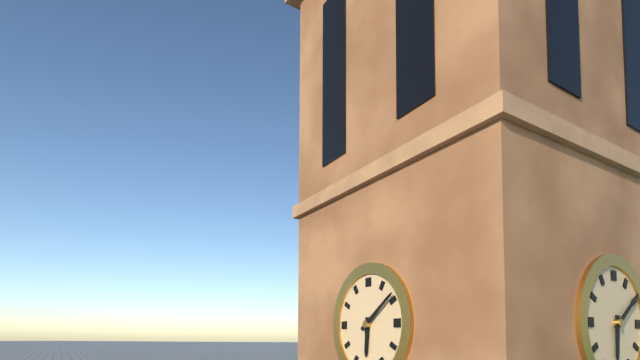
6:09
